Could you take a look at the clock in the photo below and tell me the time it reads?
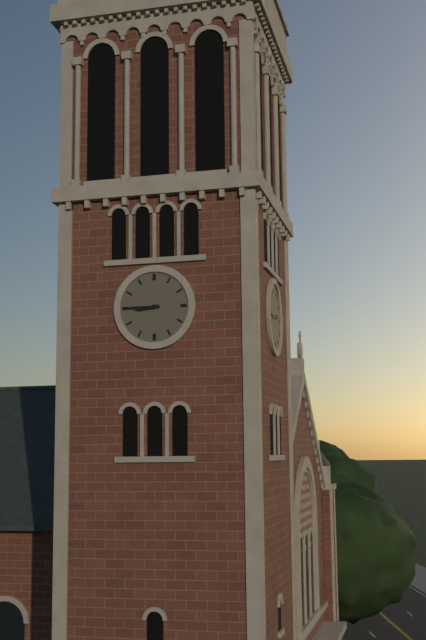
8:45
